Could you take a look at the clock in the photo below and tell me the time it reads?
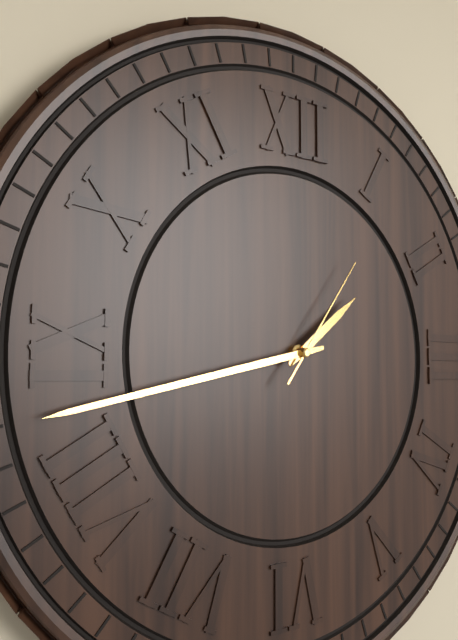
1:43:06
